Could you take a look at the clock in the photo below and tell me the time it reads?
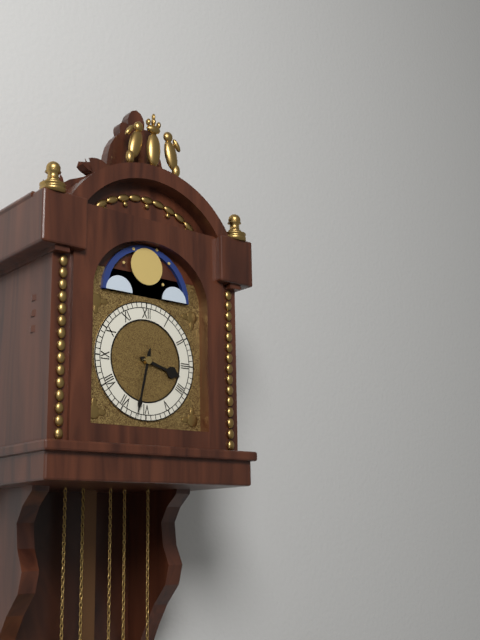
3:32
